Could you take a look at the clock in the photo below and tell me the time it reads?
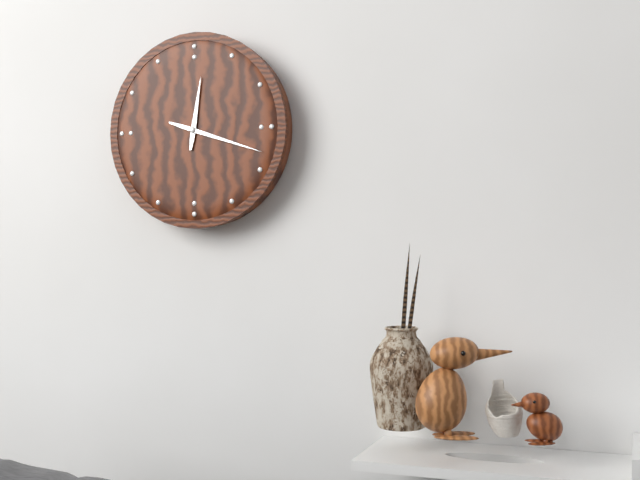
12:18
